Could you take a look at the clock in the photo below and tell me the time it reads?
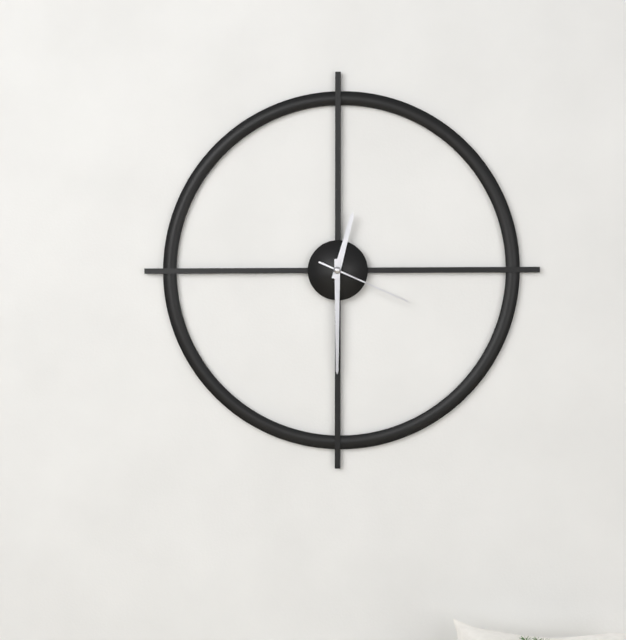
12:30:19
